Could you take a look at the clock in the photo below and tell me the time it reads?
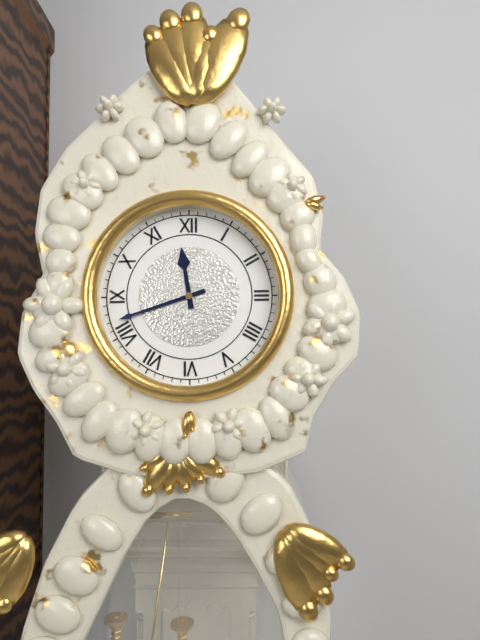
11:42
